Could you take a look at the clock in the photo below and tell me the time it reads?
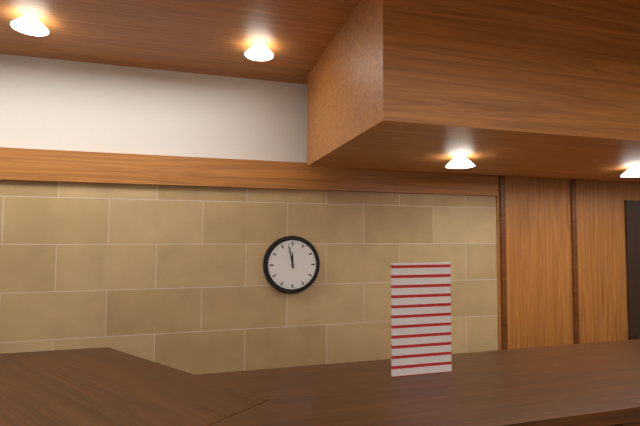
11:58
